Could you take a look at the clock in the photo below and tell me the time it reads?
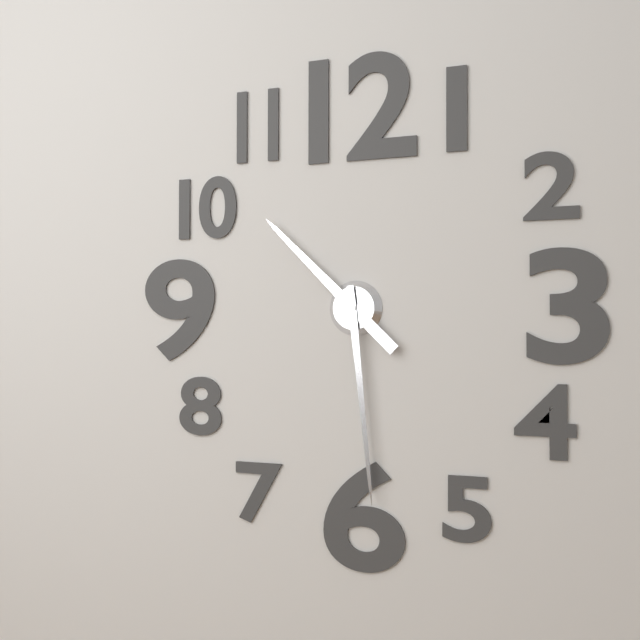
10:29
